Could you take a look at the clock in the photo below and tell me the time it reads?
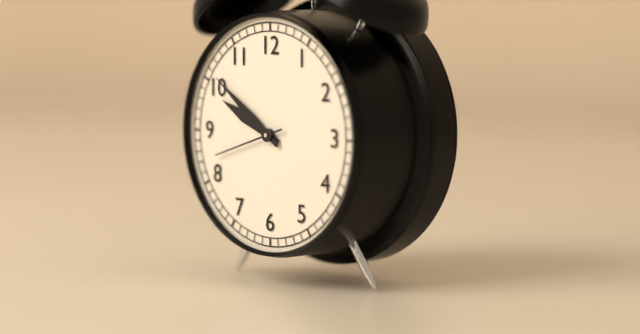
9:51:42
